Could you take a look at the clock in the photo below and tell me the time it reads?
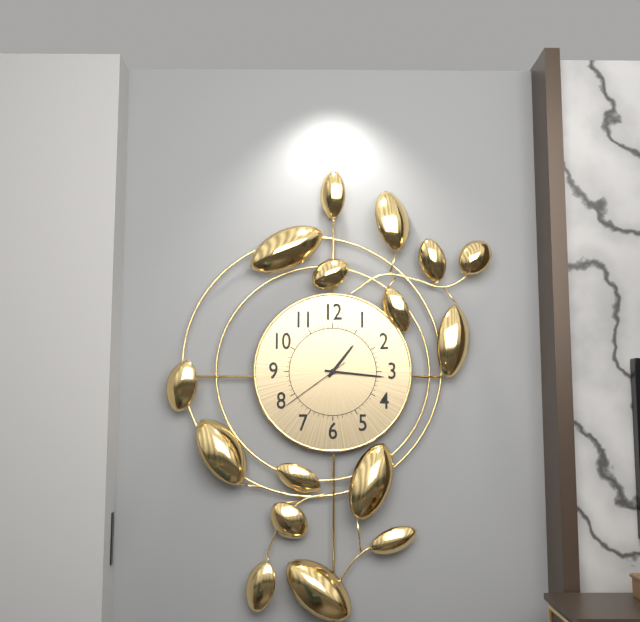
1:16:39
